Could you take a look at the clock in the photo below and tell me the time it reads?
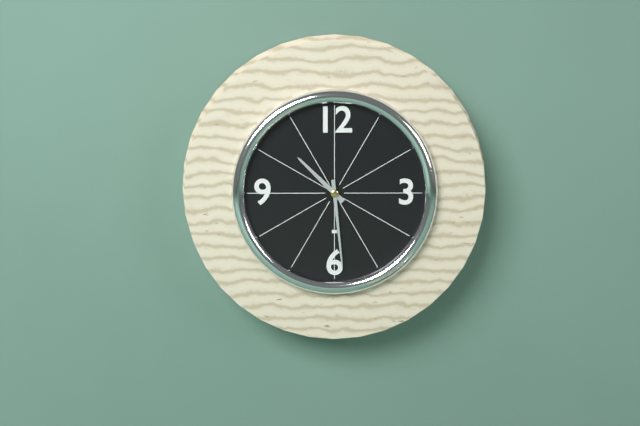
10:29
